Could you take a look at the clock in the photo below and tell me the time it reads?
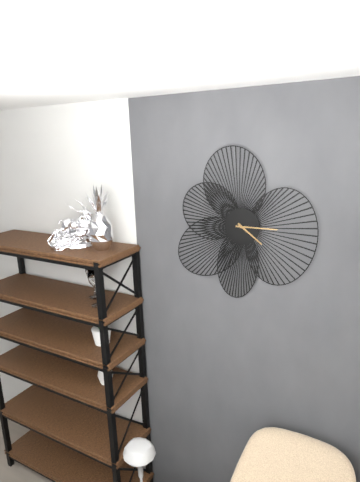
4:15
